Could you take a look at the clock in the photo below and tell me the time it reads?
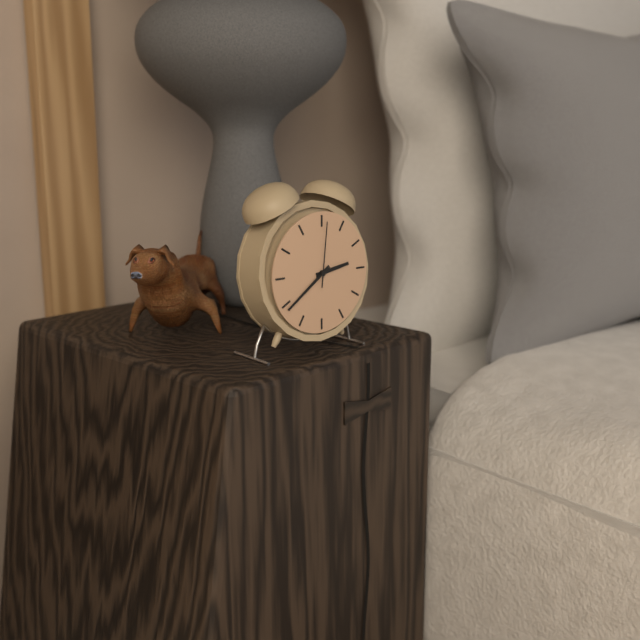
2:39:01
